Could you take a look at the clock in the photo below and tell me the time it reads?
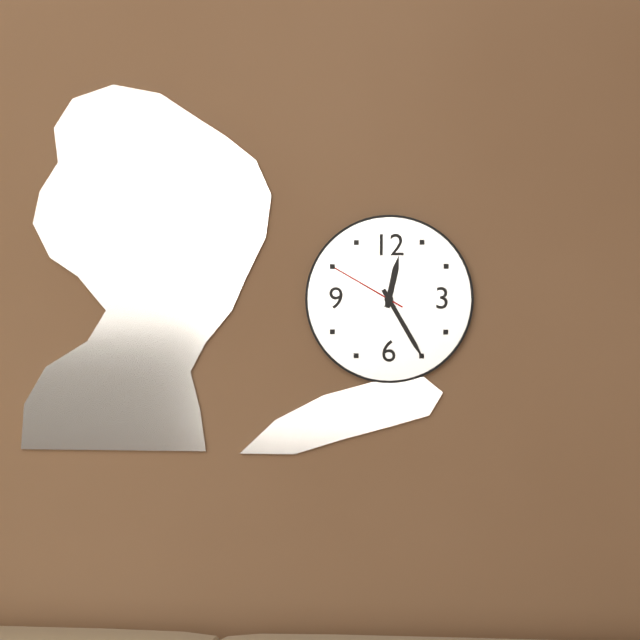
12:25:50
